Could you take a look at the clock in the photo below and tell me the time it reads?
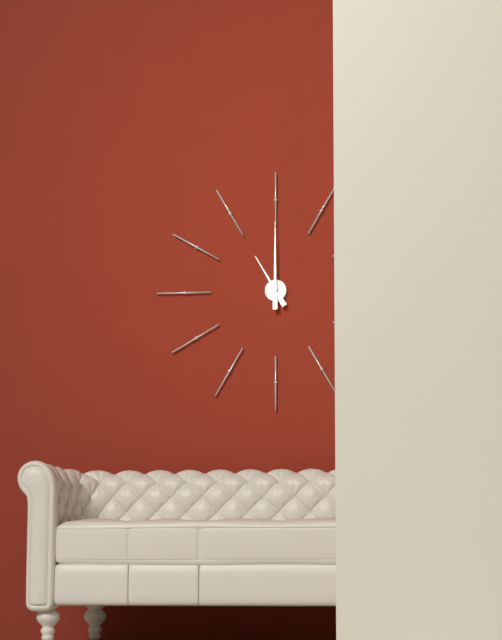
11:00
